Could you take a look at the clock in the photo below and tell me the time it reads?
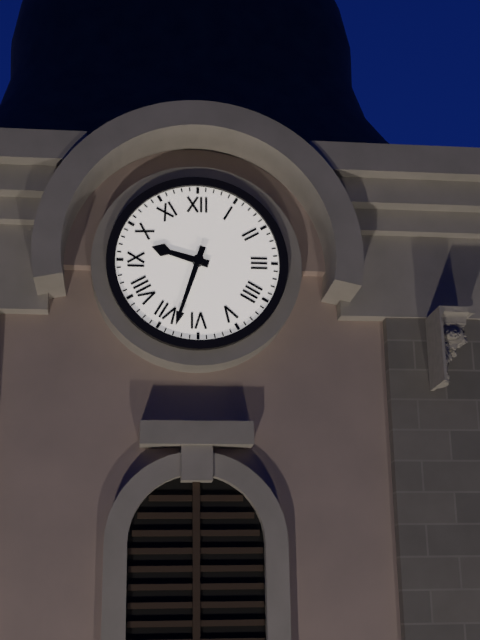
9:33
